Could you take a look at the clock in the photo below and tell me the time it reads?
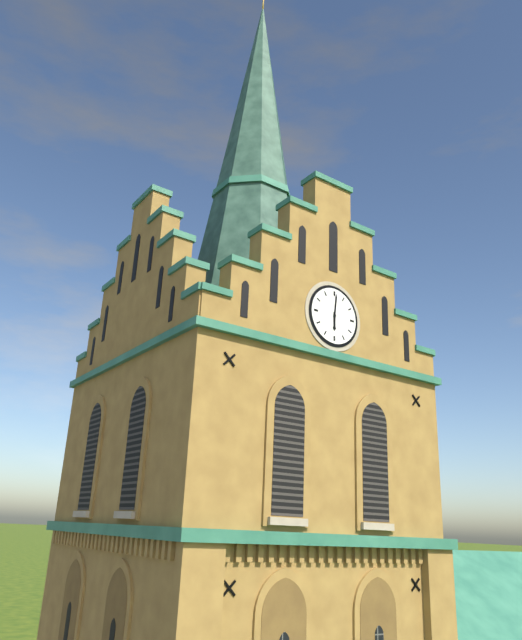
6:01
